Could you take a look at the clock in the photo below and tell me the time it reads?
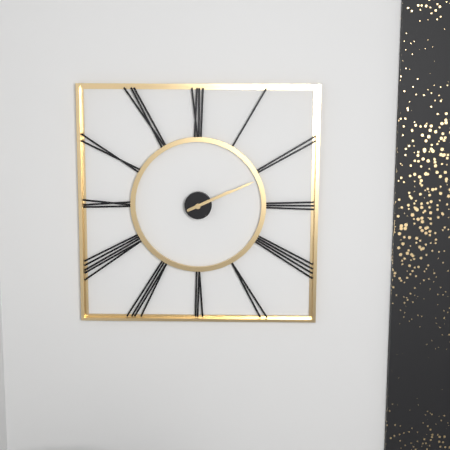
2:11
